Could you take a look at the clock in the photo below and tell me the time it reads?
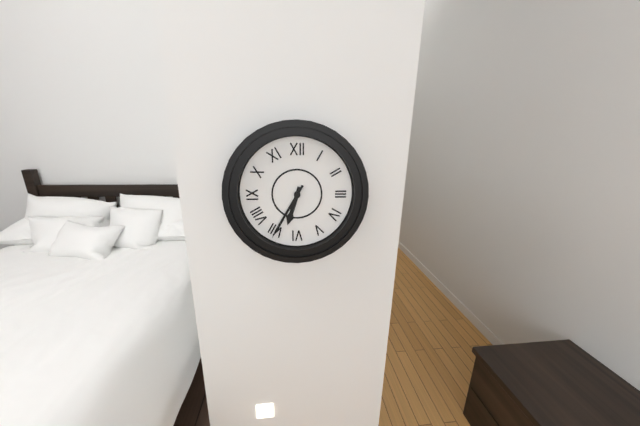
6:35
